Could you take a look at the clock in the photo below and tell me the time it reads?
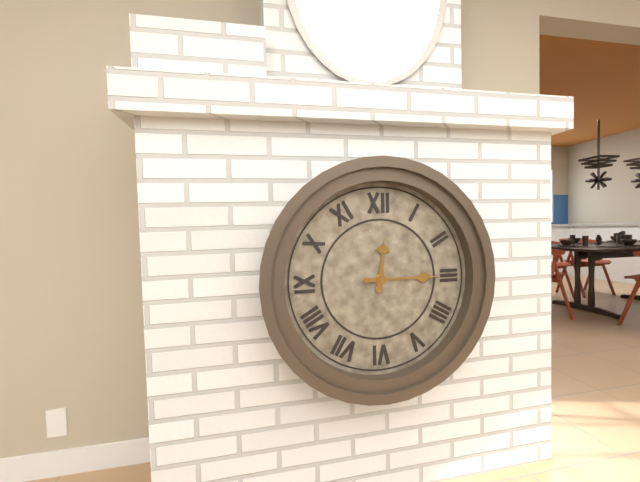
12:15
